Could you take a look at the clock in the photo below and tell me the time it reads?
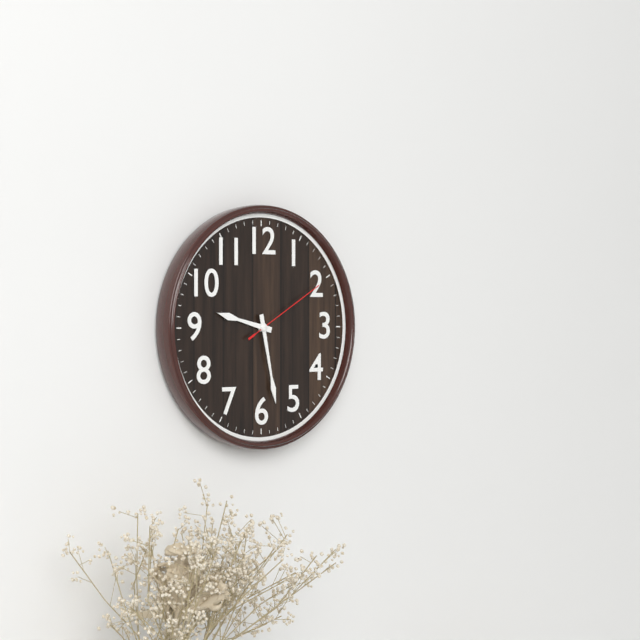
9:28:10
